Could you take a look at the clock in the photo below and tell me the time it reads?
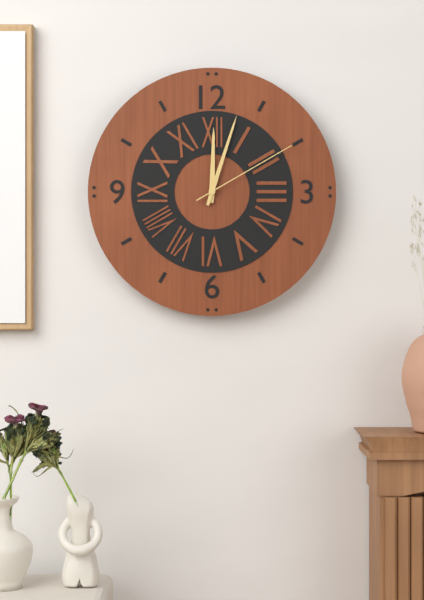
12:03:10
